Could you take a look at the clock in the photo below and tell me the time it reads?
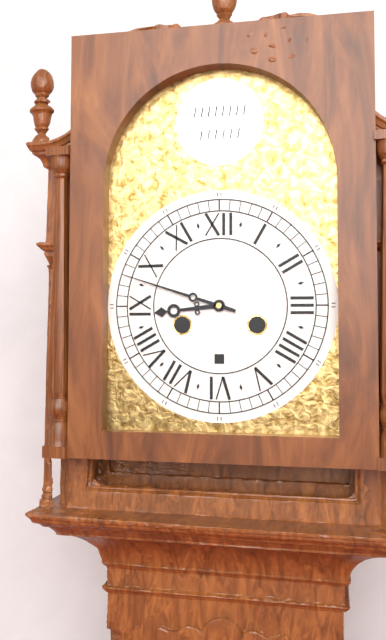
8:48
